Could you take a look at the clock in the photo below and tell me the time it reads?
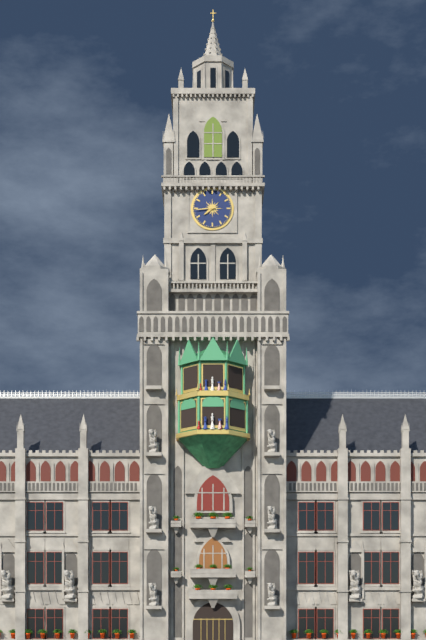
7:44
